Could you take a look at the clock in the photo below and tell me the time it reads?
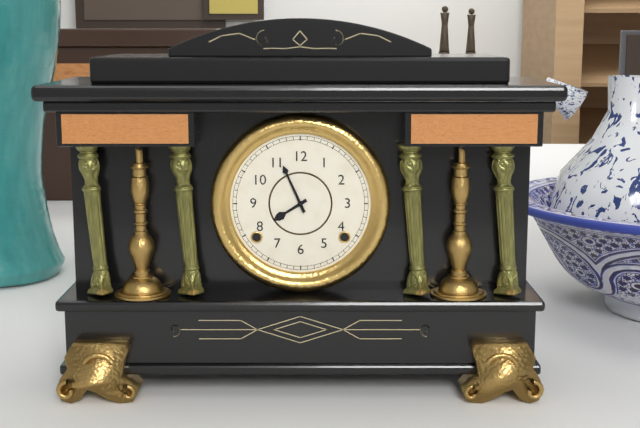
7:56
